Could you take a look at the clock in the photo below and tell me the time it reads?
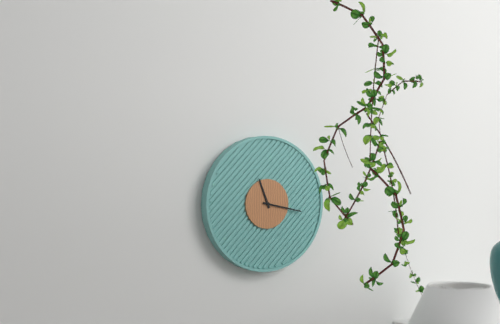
11:17
